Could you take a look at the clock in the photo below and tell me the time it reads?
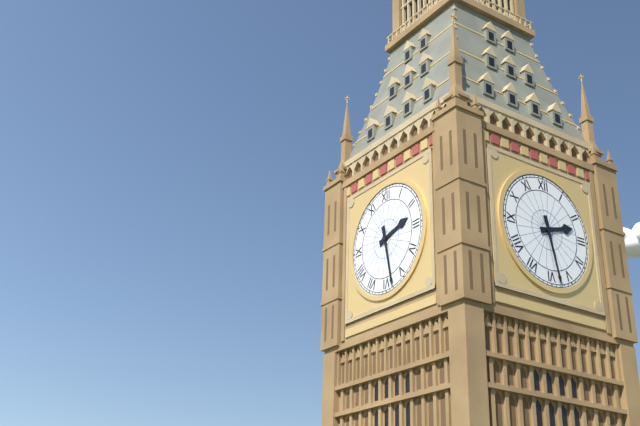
2:28
